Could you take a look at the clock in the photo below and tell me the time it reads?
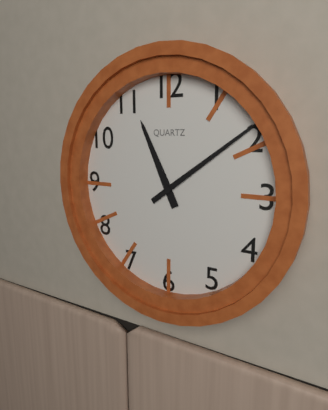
11:09
